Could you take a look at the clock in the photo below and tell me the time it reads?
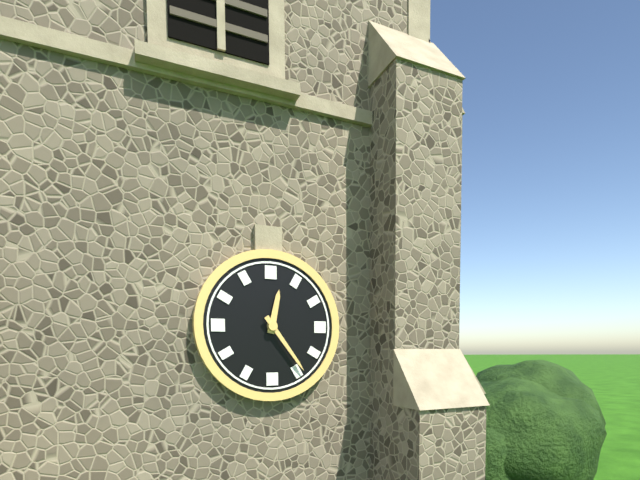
12:24
